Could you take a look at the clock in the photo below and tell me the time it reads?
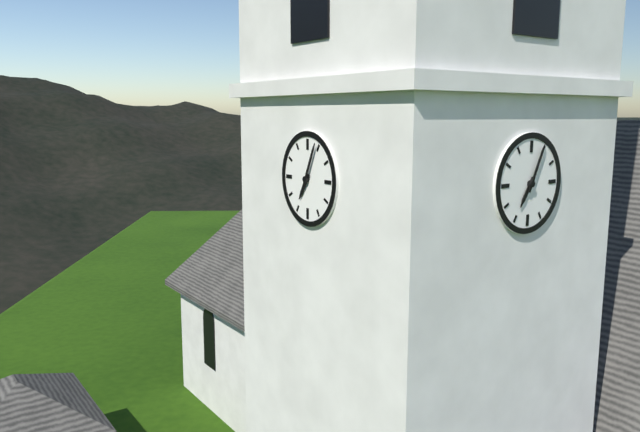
7:04
